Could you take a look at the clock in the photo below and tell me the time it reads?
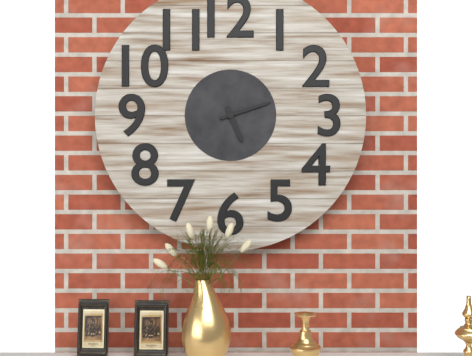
5:12
